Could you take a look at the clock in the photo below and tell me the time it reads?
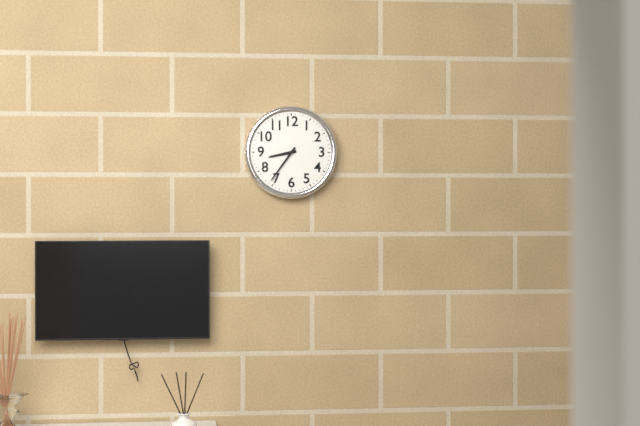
8:36
